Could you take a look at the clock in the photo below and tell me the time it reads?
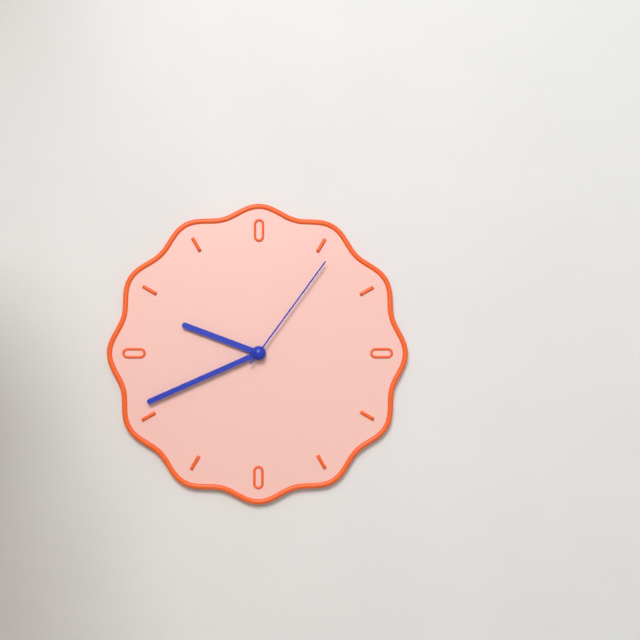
9:41:06
